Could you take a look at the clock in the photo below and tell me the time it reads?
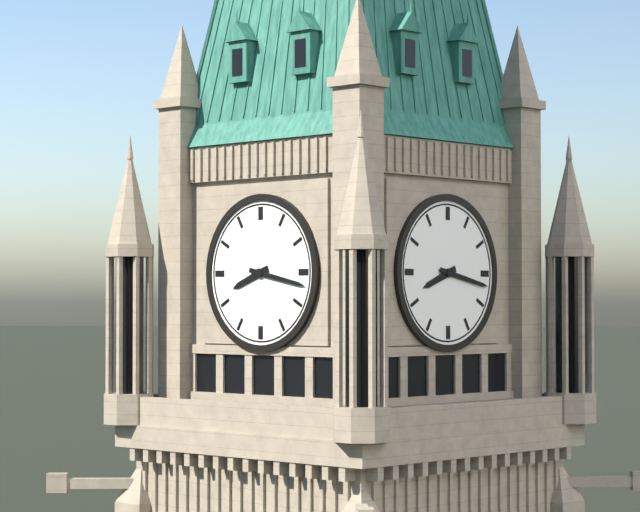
8:17
